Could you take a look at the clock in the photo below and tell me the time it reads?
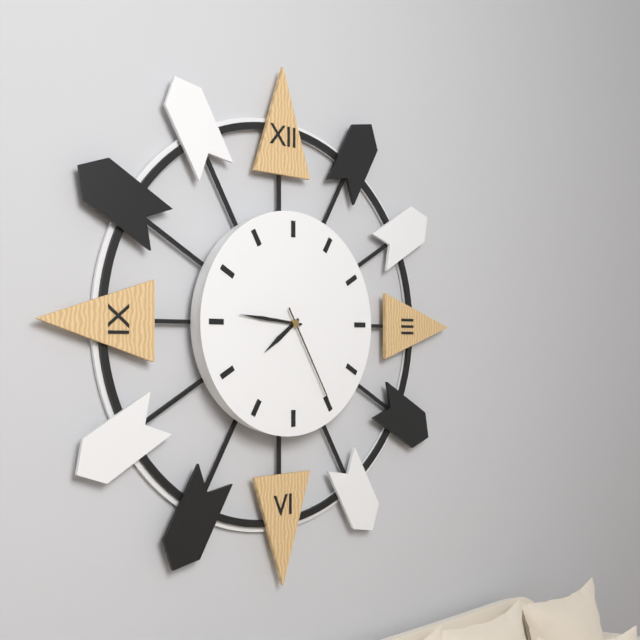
7:46:25
